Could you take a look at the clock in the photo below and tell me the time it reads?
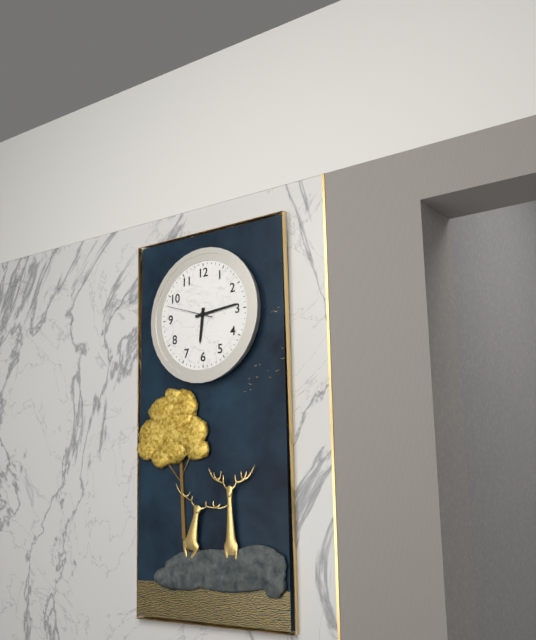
6:14
